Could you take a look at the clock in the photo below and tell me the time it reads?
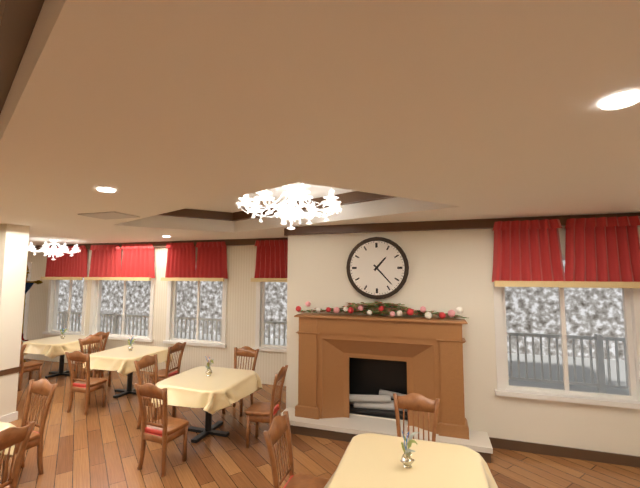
1:23
